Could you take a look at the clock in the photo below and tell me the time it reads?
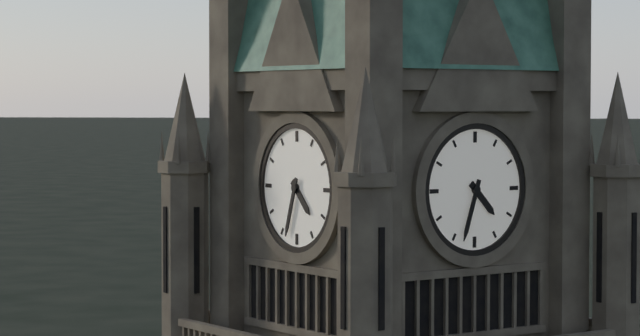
4:33
